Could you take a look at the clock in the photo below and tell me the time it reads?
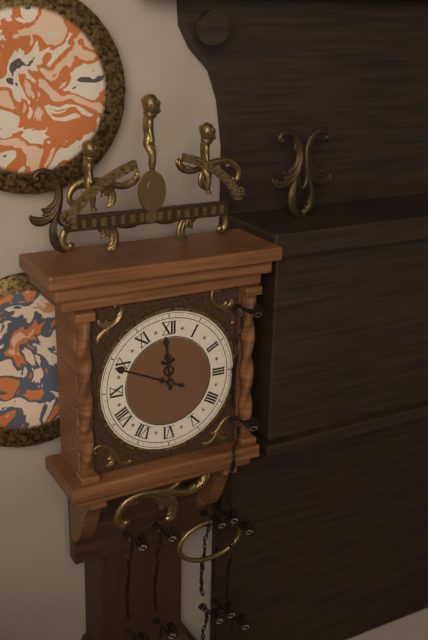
11:49
